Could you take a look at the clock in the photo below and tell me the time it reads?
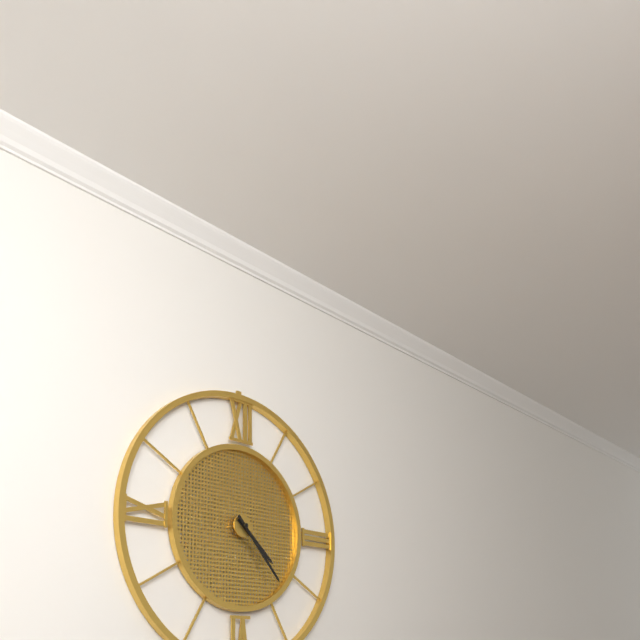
4:23
